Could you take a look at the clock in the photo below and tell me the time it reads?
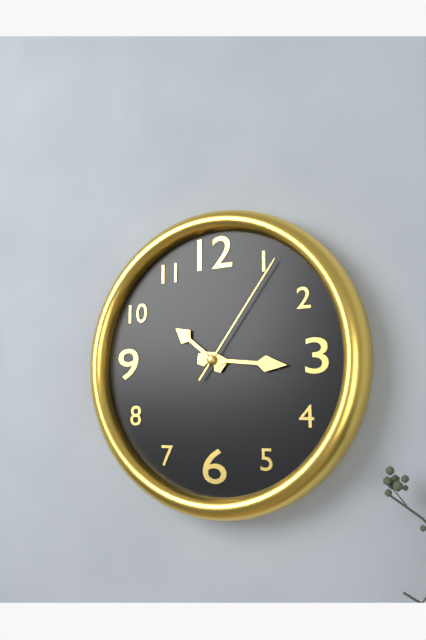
10:16:06
